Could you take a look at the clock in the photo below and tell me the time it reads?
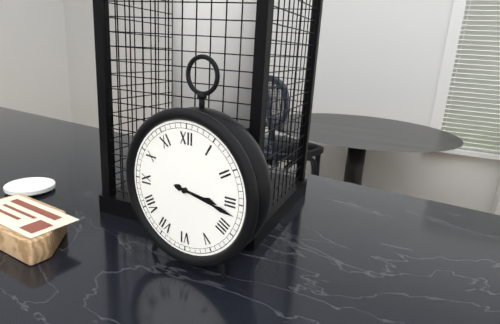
3:17
